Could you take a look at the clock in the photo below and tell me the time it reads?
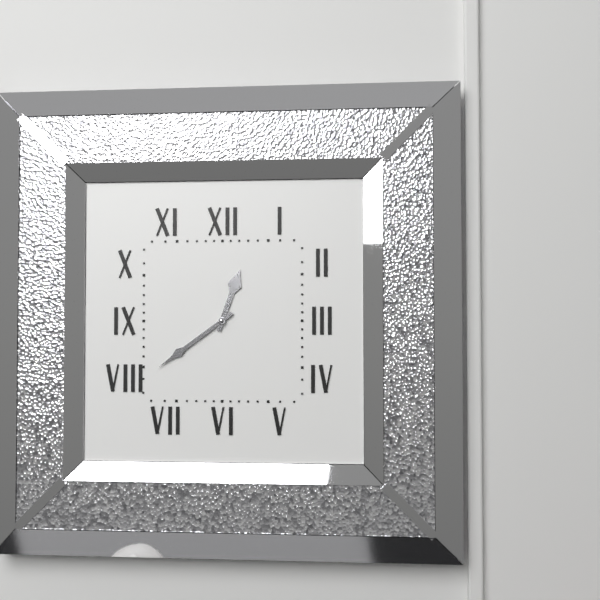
12:39
